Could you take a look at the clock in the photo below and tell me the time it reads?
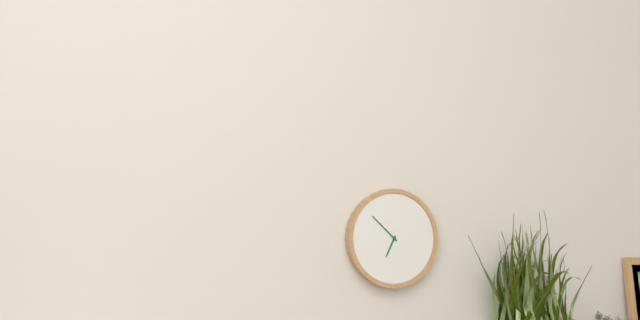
6:52
